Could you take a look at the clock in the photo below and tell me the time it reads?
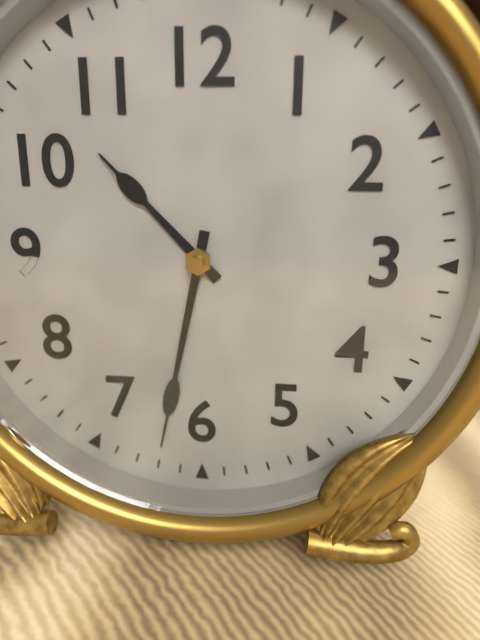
10:32
